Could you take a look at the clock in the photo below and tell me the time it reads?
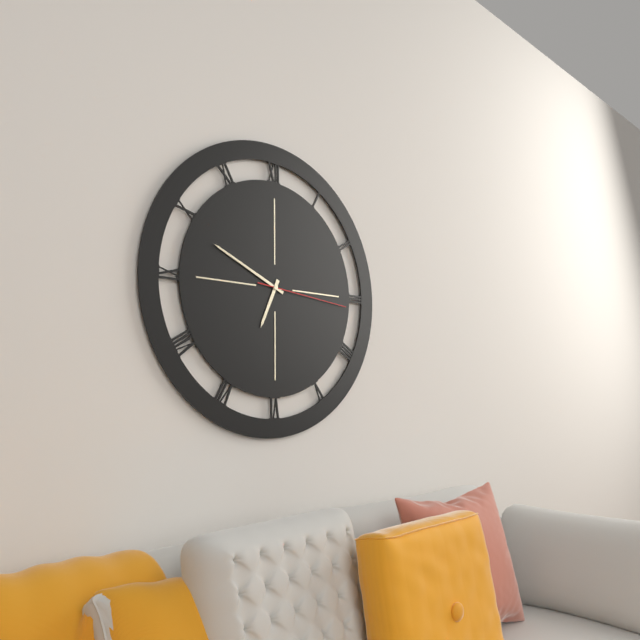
6:49:16
